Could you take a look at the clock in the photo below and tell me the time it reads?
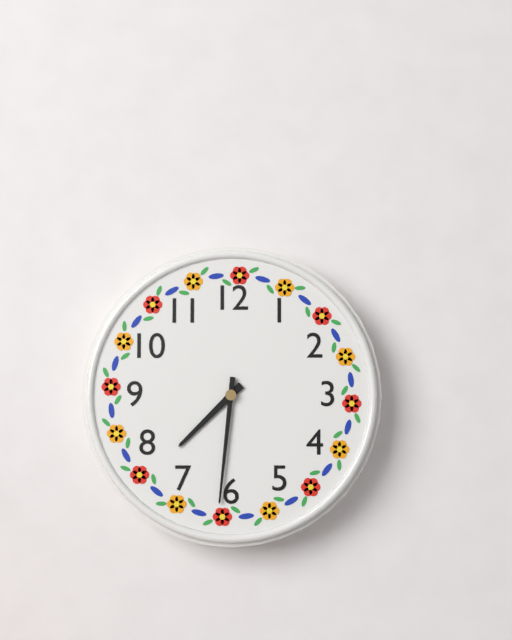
7:31
